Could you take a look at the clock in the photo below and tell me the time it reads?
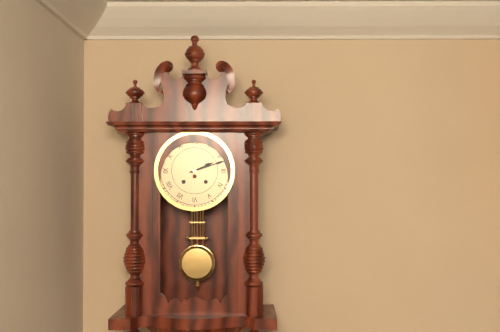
2:12
